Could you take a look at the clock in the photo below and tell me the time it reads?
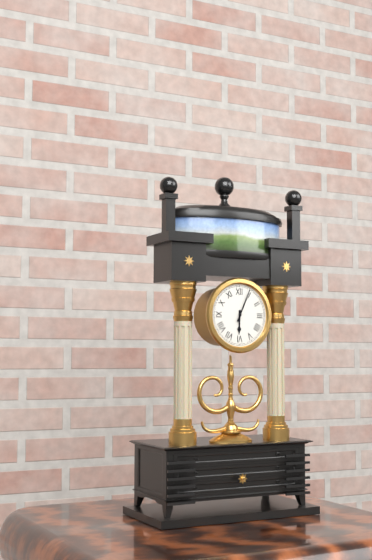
6:04
